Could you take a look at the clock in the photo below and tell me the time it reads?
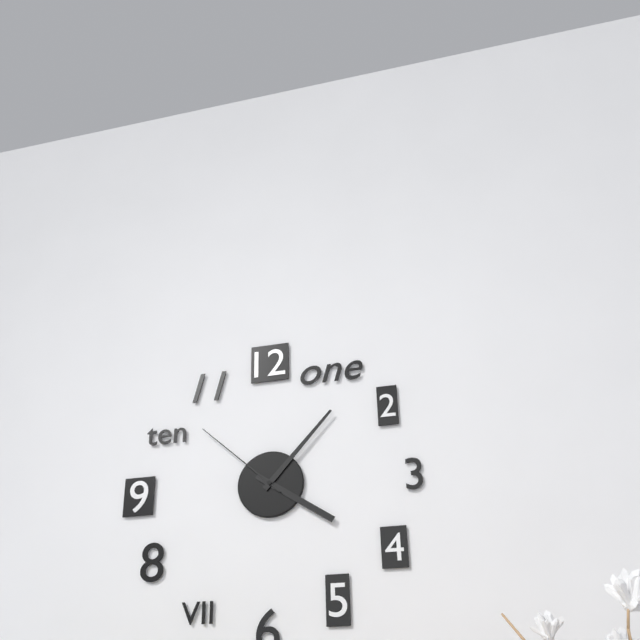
4:07:52
